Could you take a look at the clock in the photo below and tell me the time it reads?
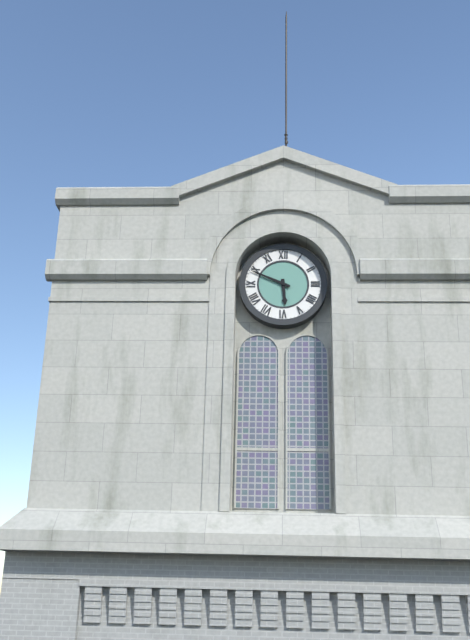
5:49
